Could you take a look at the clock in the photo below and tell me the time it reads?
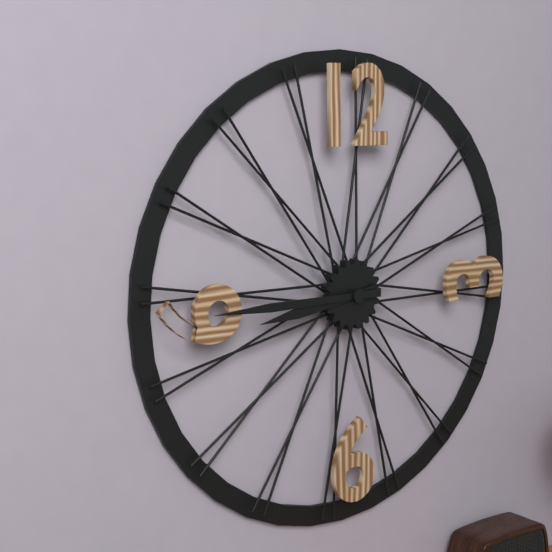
8:45
